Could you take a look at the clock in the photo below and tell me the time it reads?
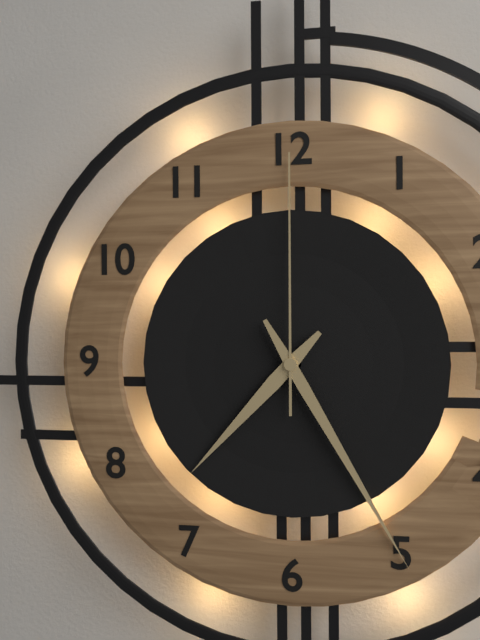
7:25:00
